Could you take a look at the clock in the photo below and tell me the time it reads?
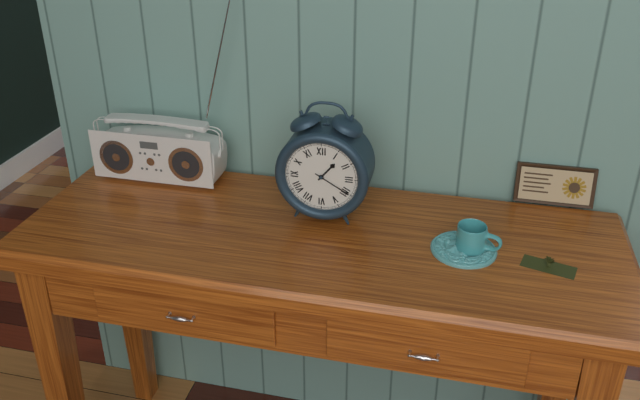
1:20
